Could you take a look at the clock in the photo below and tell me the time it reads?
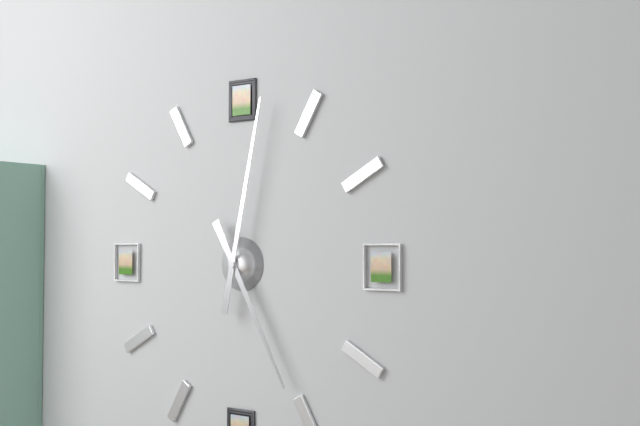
5:02
